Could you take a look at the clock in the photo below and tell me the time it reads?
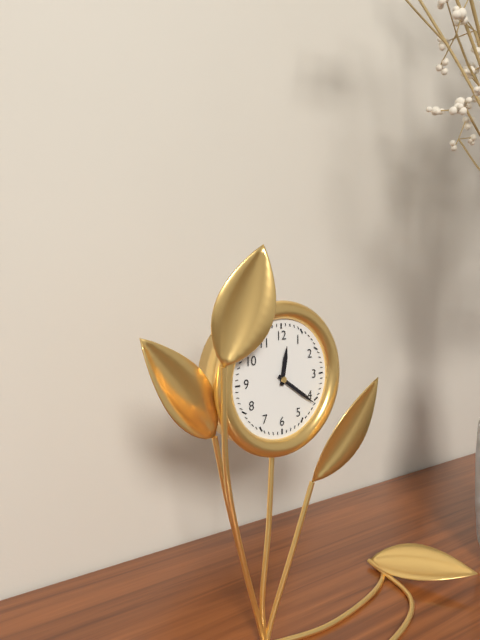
12:21
